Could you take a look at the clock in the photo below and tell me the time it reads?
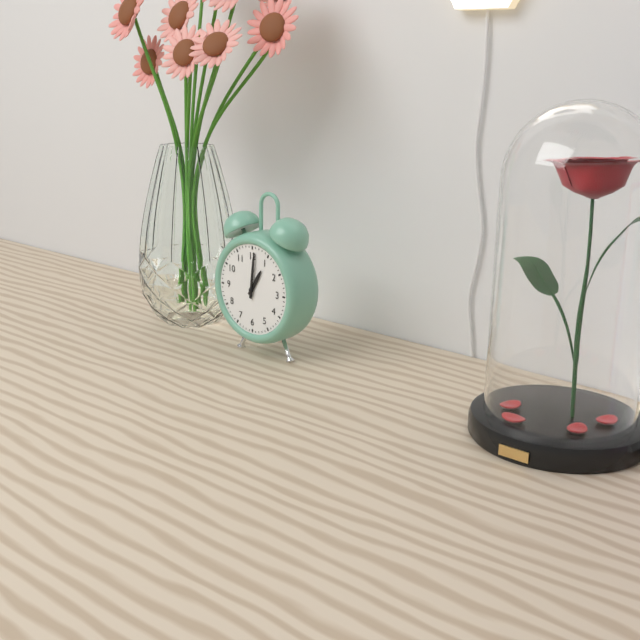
1:01
